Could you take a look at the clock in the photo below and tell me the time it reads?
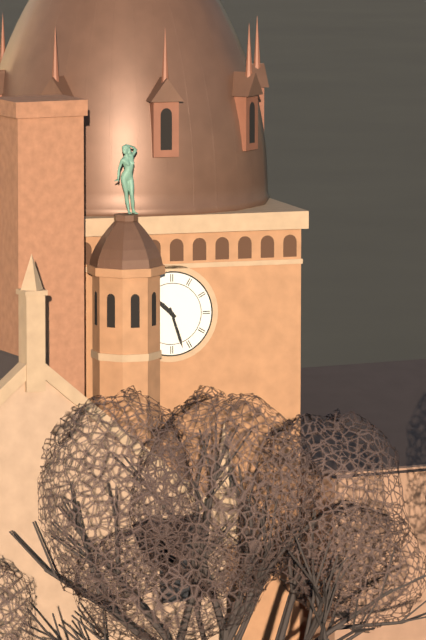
10:27
